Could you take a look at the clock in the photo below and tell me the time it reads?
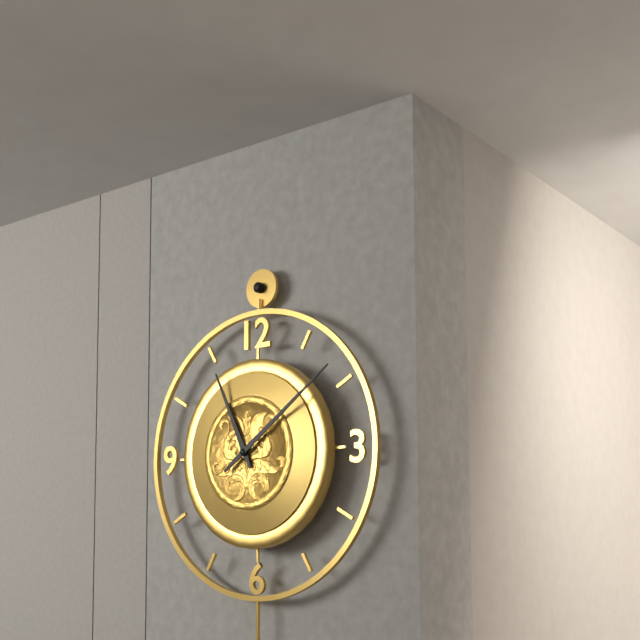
11:09
